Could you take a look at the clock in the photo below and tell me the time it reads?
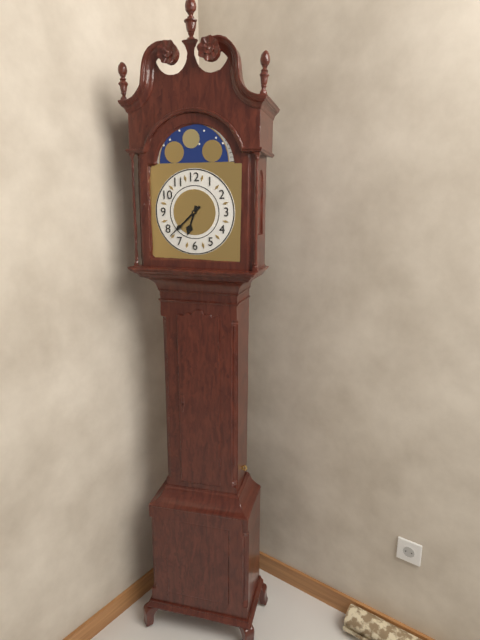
6:38
